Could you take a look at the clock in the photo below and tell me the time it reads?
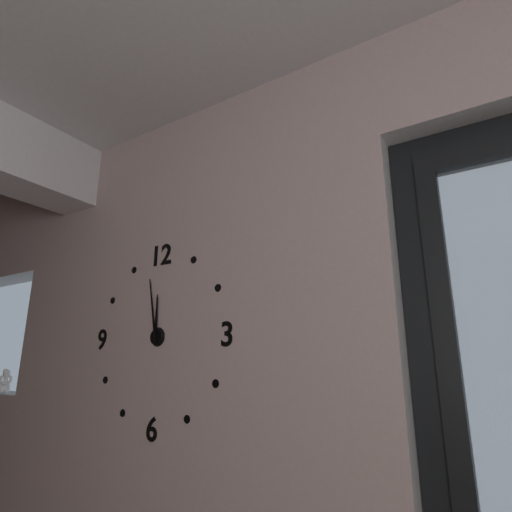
11:58
